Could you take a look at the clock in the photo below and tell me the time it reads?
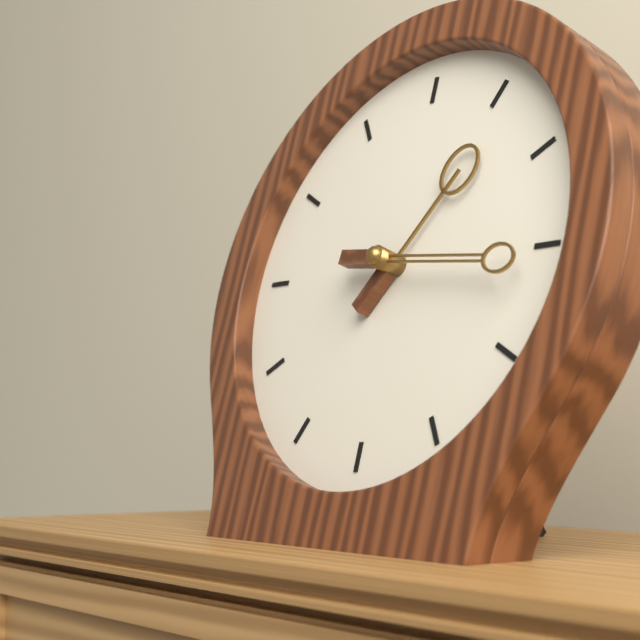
1:16
